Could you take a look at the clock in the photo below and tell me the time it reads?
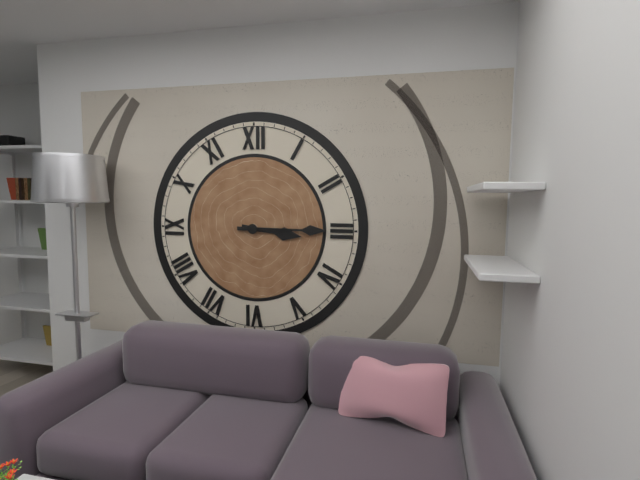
3:15
